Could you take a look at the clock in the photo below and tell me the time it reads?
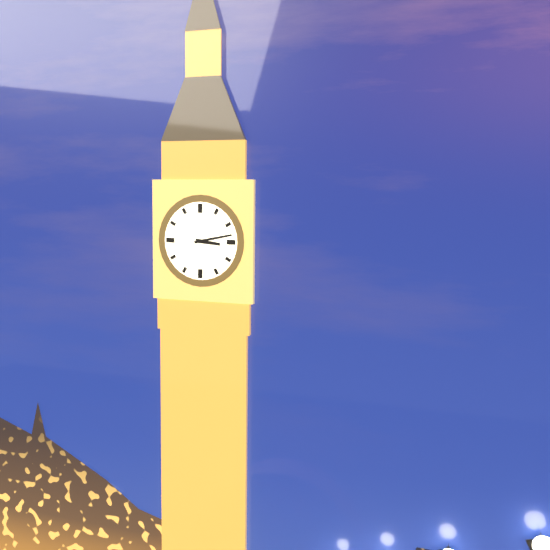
3:13
